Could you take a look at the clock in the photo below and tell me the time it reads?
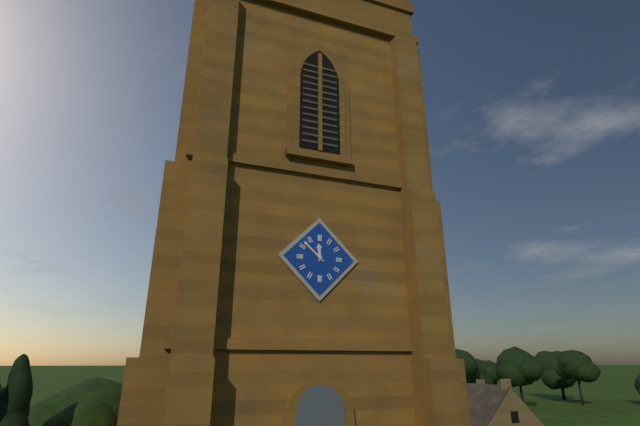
11:52
